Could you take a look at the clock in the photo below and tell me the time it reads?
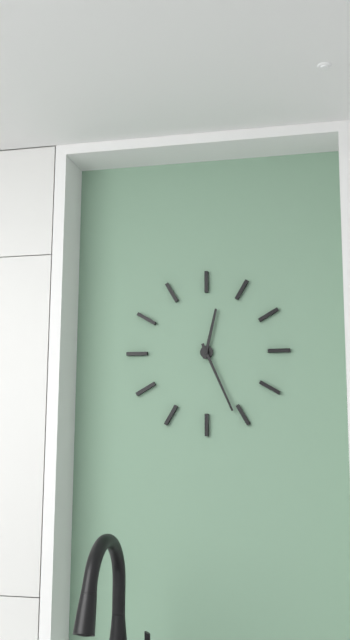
12:26
